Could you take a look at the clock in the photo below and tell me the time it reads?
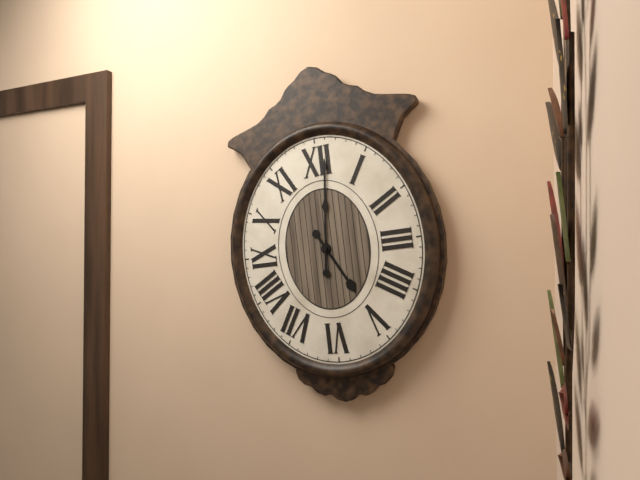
5:01
